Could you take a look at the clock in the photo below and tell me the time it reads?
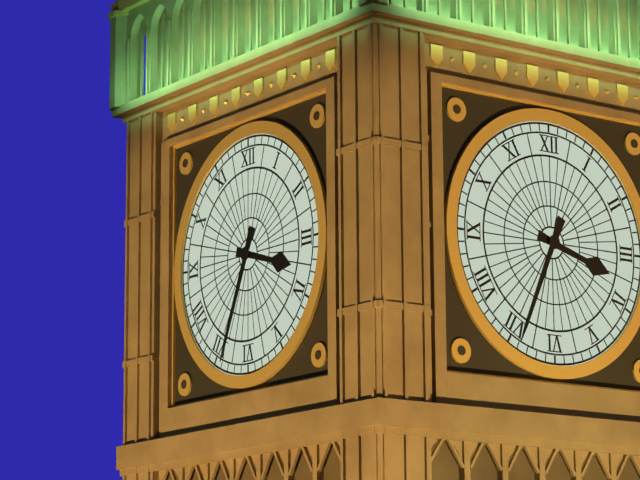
3:34
